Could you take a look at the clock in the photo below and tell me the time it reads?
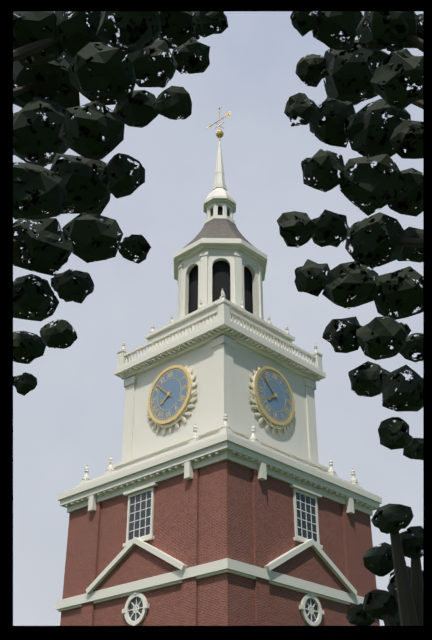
7:52
